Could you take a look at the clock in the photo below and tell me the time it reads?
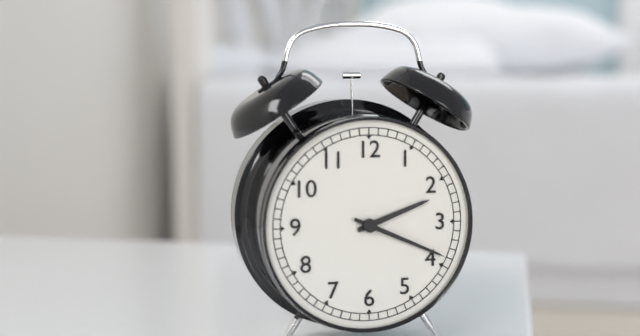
2:19
